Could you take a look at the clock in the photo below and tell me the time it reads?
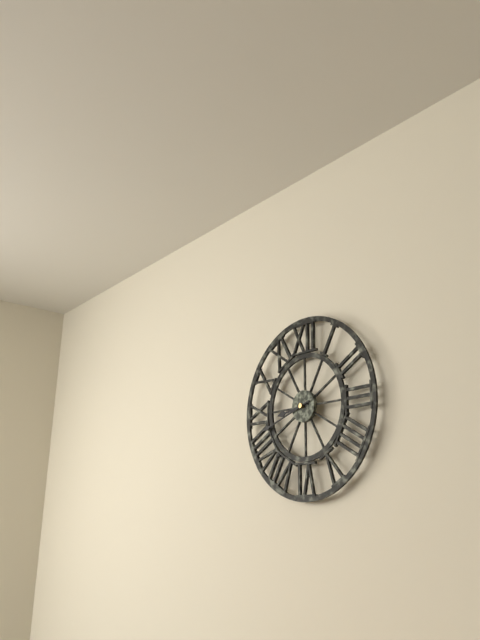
8:42
